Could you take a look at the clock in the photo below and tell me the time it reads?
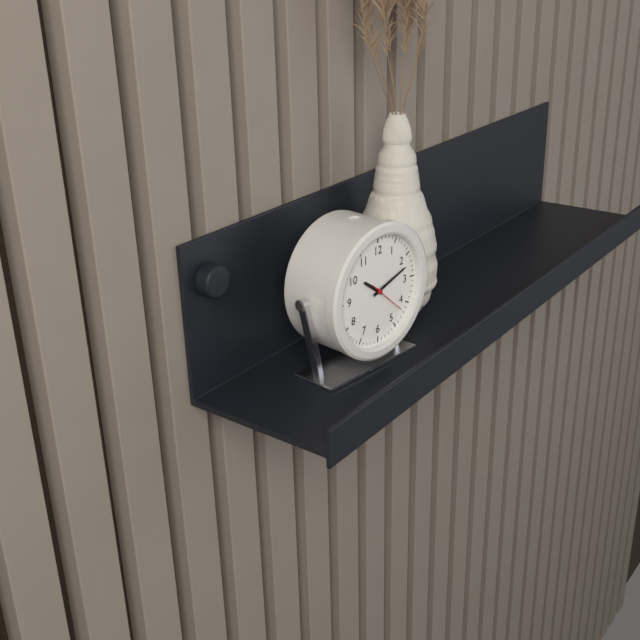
10:12
